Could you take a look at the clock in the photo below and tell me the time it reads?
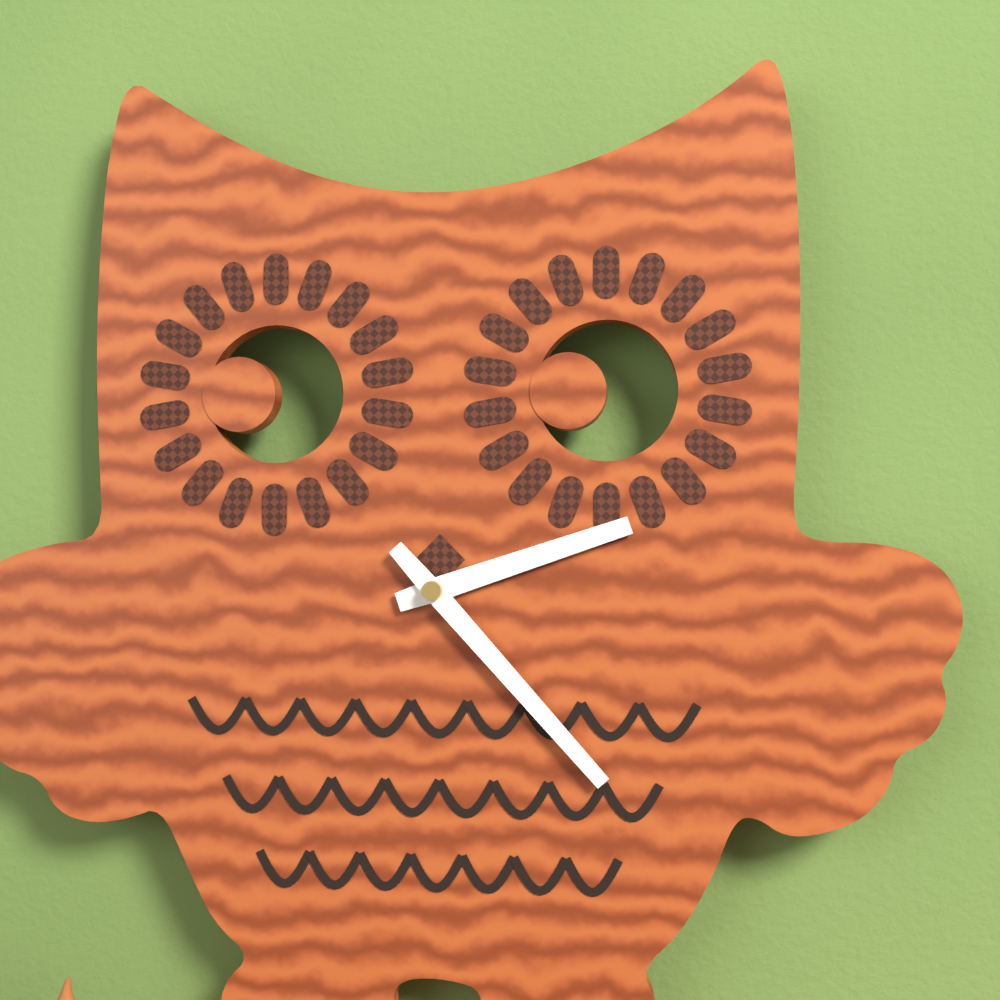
2:23
